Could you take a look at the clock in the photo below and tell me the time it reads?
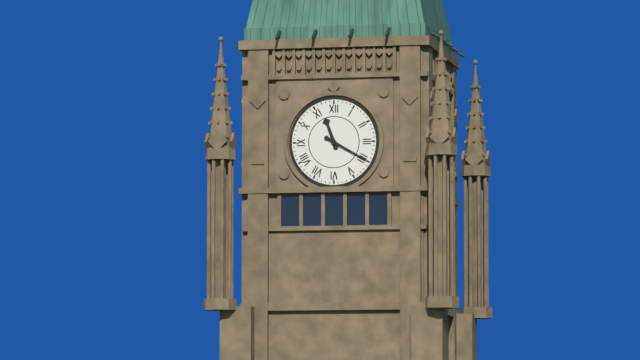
11:20
